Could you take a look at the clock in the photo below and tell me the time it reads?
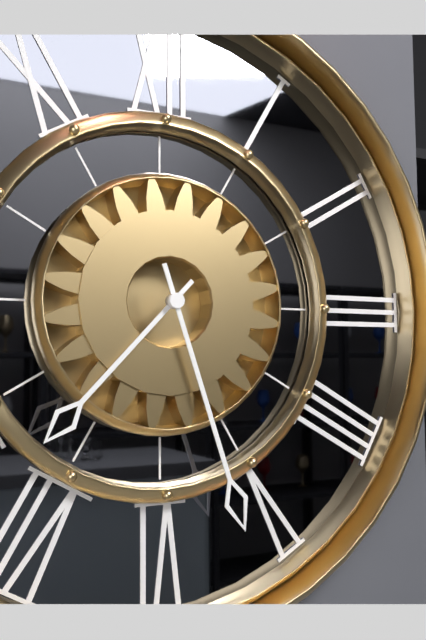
7:27
